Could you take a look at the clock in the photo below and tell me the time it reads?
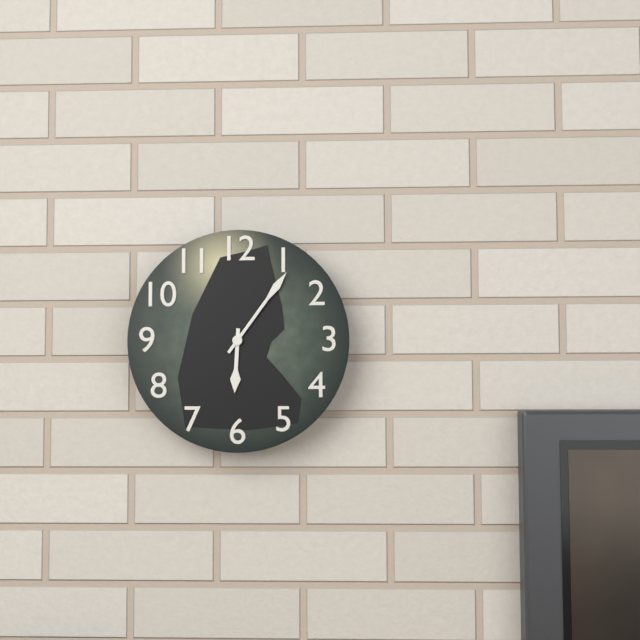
6:06
